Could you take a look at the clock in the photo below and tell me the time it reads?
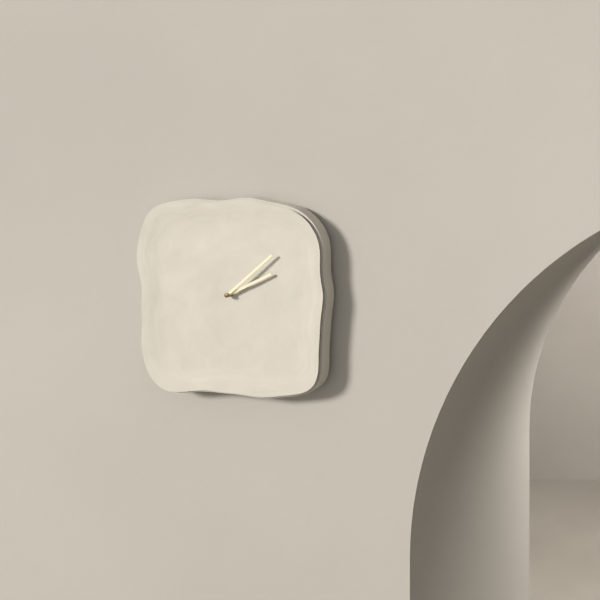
2:08
